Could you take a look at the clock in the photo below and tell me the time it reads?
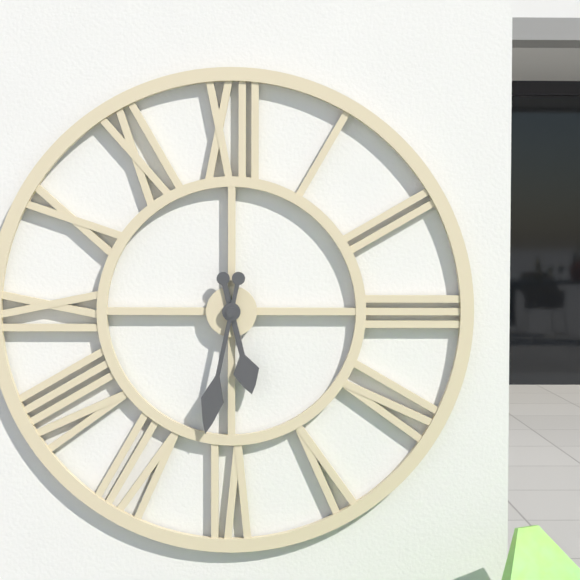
5:32
